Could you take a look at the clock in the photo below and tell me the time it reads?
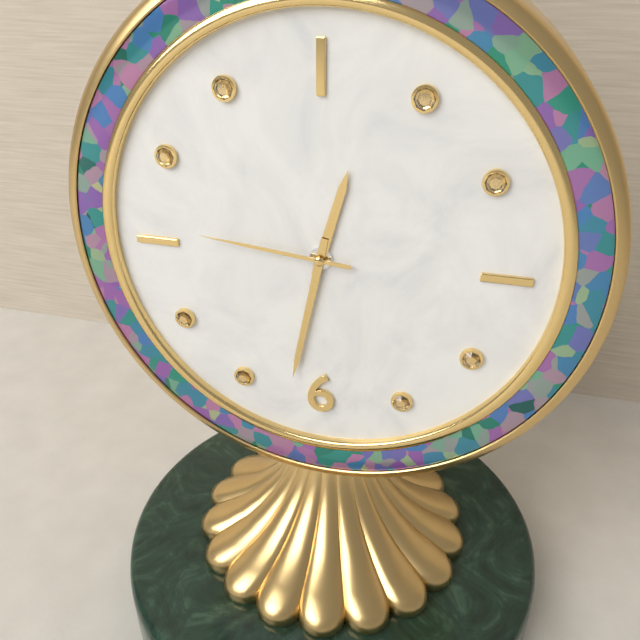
12:32:46
